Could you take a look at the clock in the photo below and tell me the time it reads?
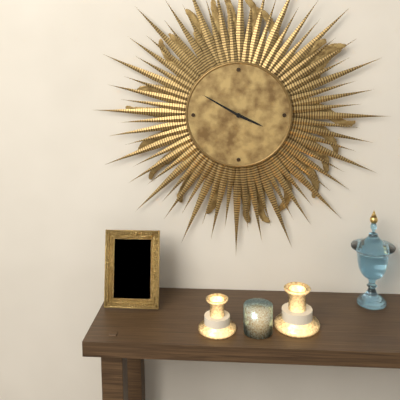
3:50
